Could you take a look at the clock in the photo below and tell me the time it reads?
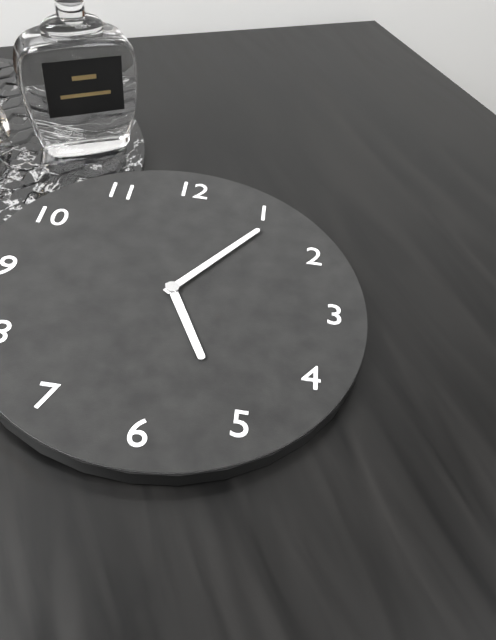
5:06
